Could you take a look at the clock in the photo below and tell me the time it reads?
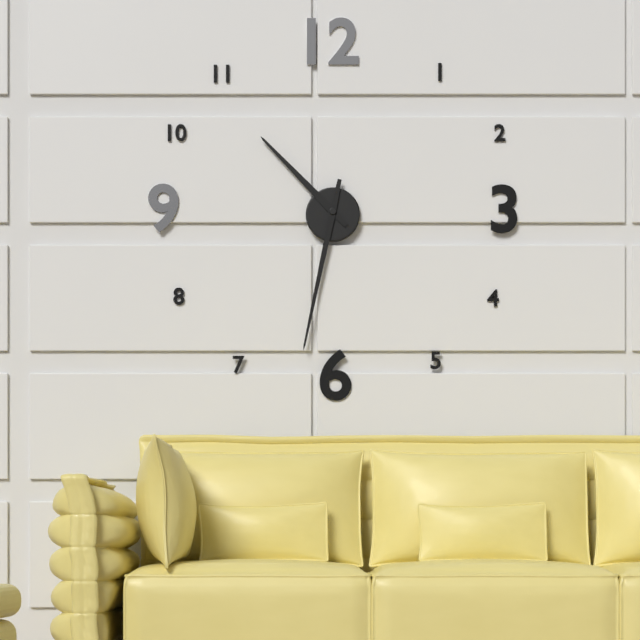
10:32
